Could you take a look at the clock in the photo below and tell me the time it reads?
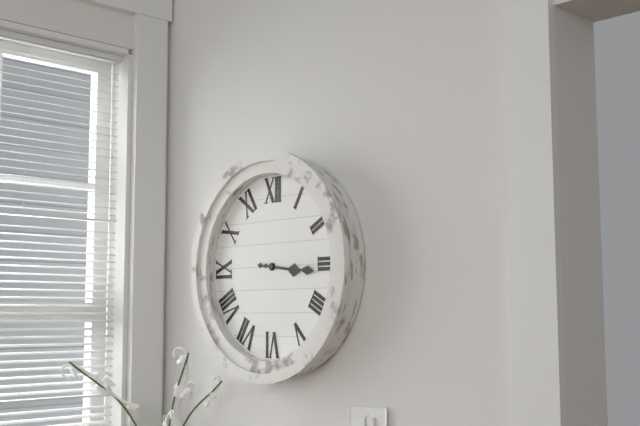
3:16
